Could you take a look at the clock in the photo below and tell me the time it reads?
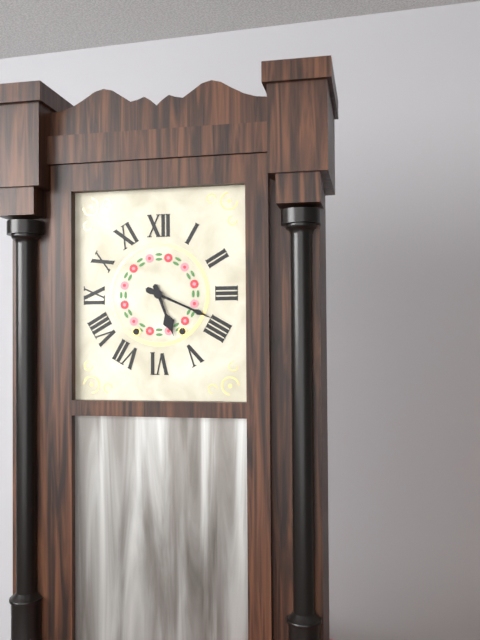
5:19
